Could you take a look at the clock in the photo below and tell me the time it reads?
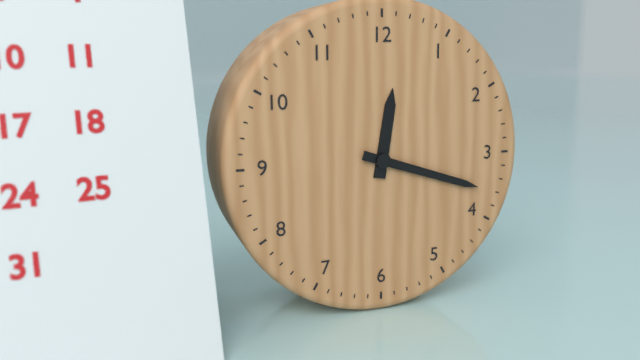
12:18
